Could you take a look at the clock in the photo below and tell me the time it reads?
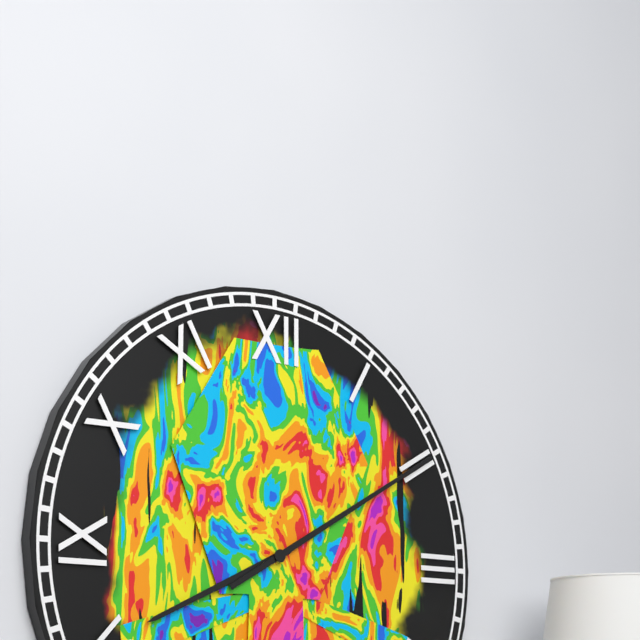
8:10
